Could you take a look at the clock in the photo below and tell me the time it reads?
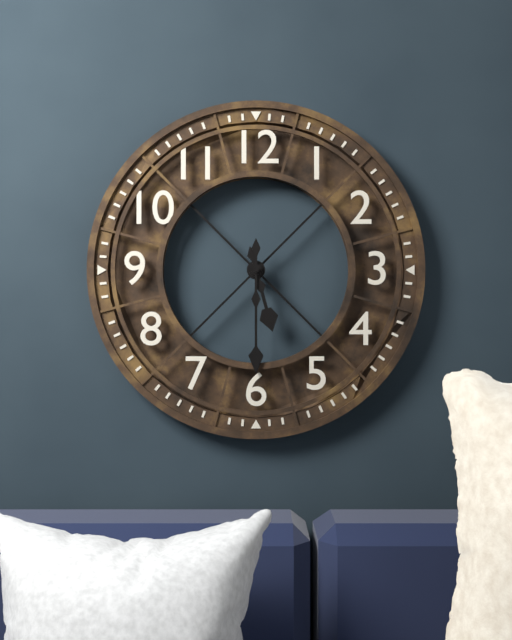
5:30
